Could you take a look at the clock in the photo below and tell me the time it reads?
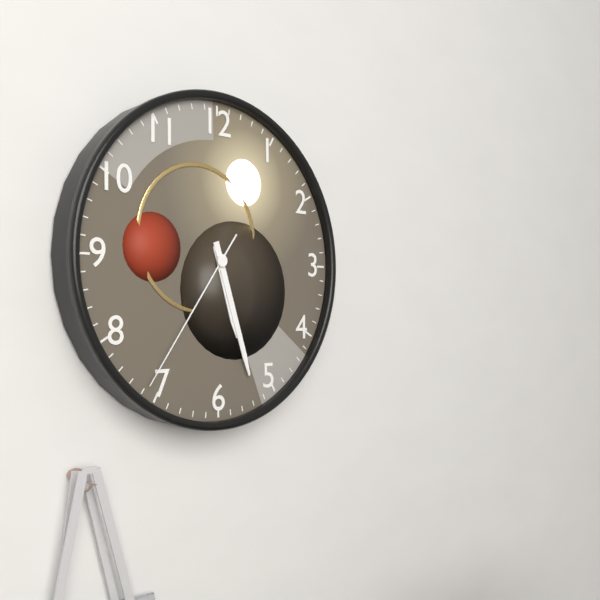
5:27:36
